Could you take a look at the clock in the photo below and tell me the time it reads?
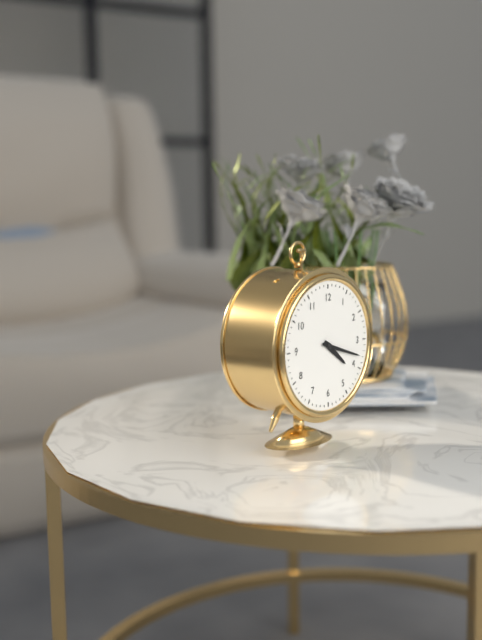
4:18
